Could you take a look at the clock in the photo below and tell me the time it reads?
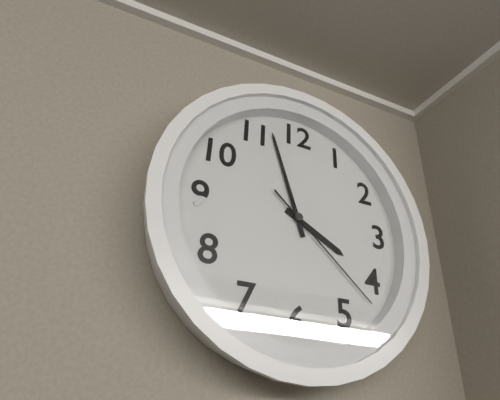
3:57:22
